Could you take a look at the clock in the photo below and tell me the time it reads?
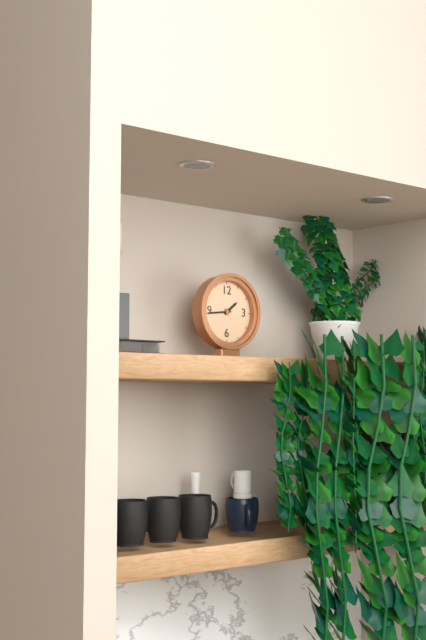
1:44
